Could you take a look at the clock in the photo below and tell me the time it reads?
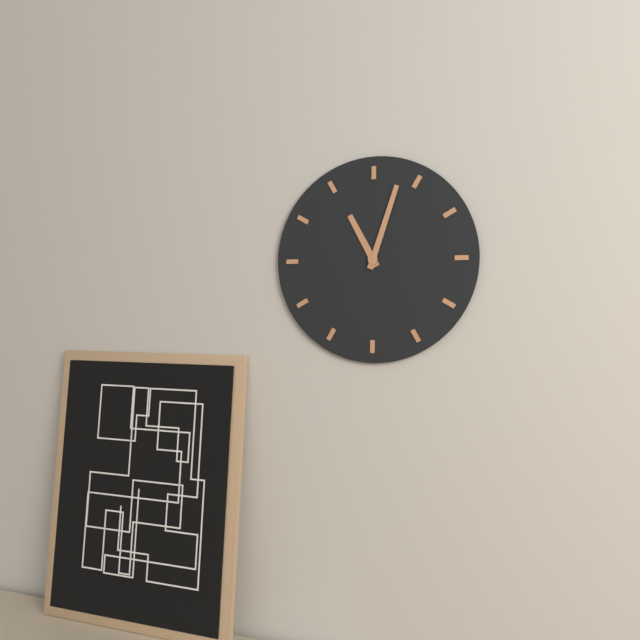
11:03
